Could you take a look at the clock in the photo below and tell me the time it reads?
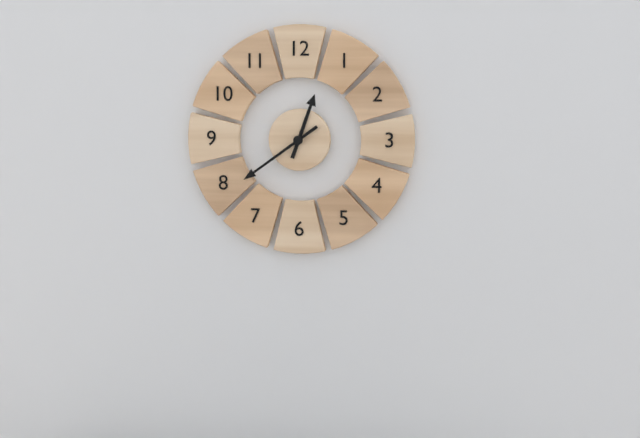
12:39
